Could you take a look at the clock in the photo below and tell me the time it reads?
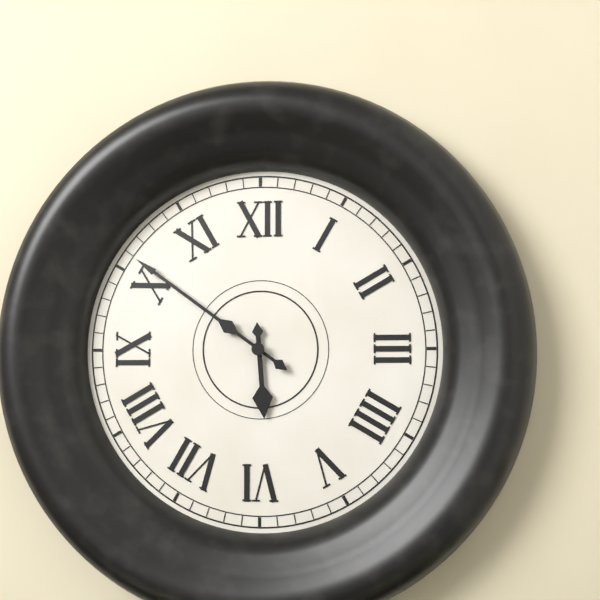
5:51
